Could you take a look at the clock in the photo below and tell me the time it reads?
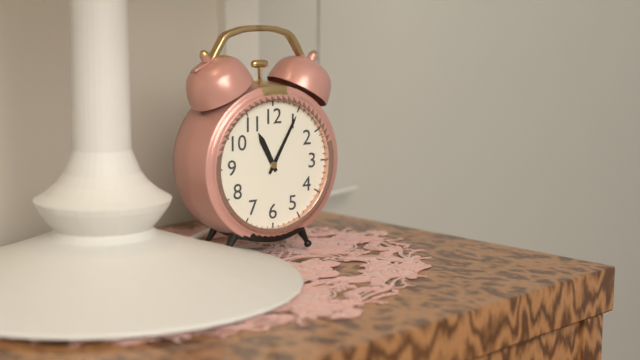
11:05
